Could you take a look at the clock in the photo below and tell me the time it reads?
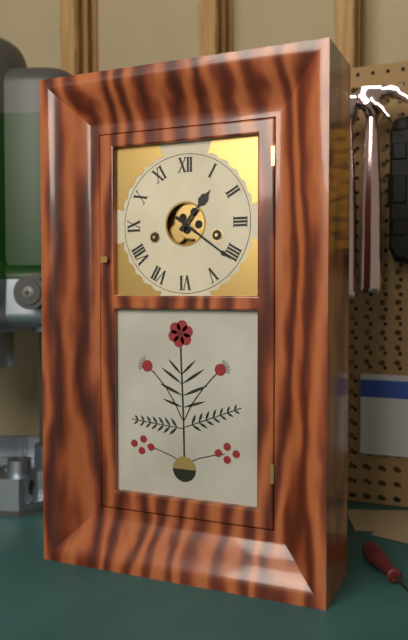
1:21
